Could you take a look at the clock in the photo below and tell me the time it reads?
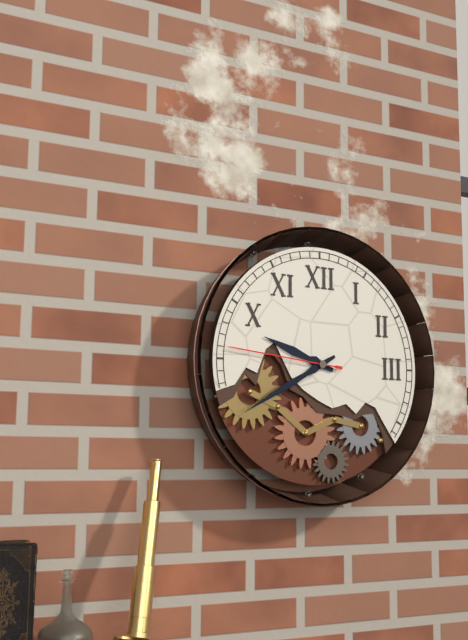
9:40:46
